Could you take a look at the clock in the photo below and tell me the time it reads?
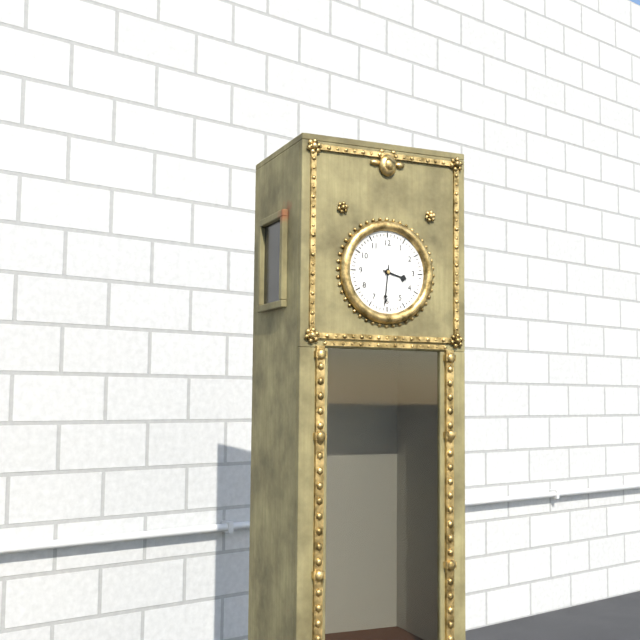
3:31
